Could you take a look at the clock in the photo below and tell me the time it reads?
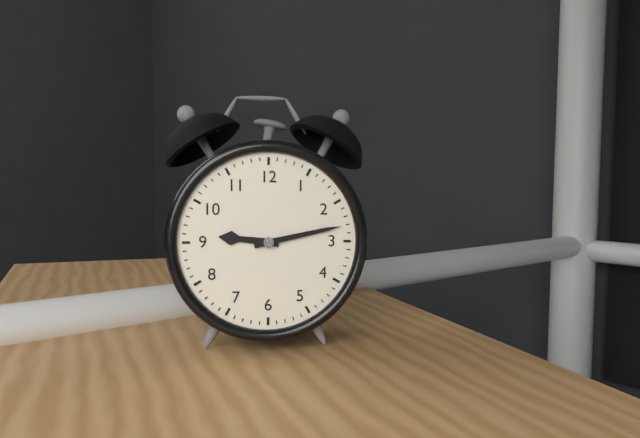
9:13
